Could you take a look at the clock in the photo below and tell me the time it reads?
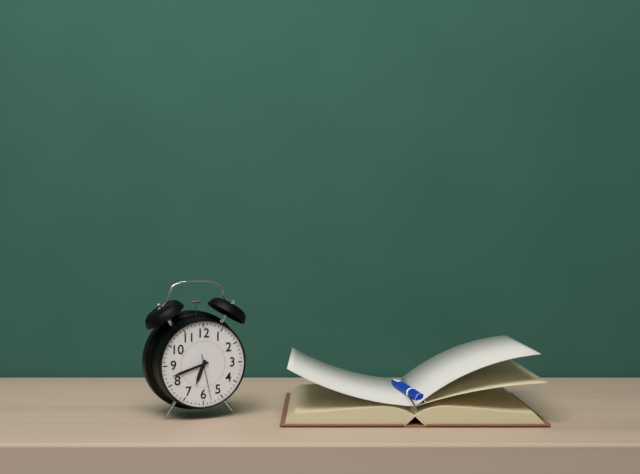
6:42:28
